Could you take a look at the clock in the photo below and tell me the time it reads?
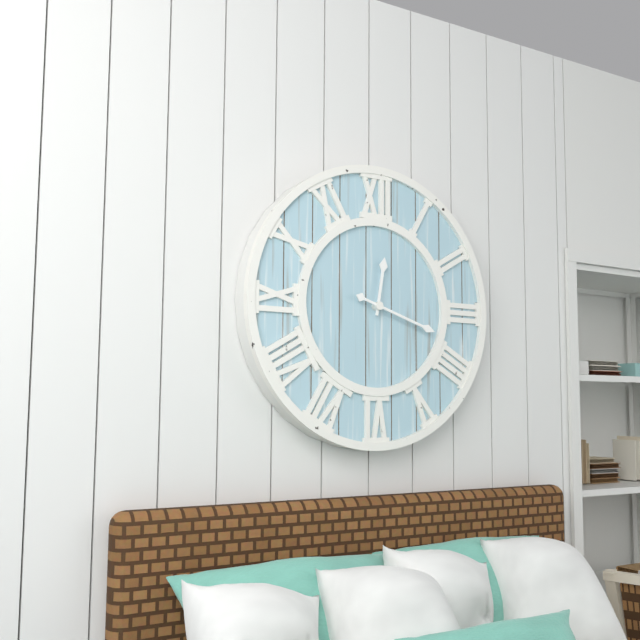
12:18
